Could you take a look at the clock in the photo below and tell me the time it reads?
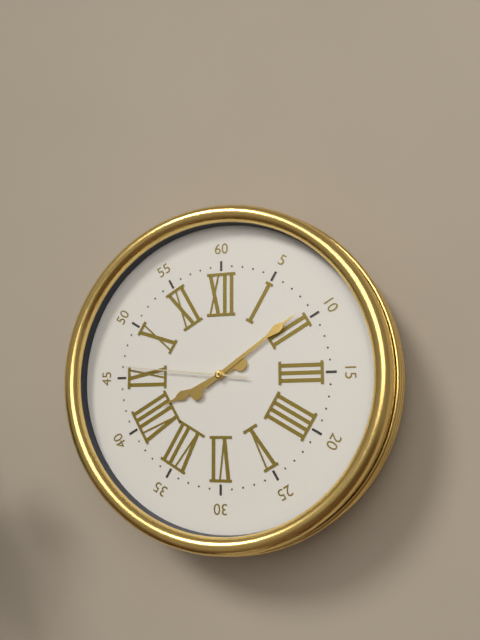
8:09:46
